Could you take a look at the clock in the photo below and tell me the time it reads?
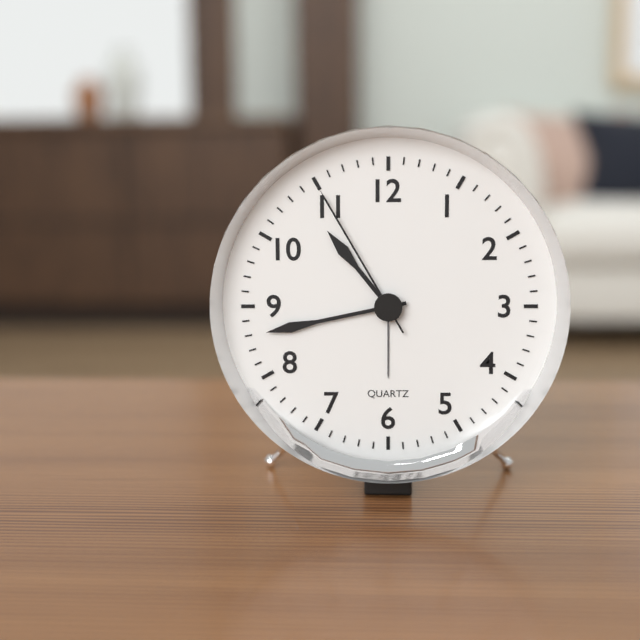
10:43:55
